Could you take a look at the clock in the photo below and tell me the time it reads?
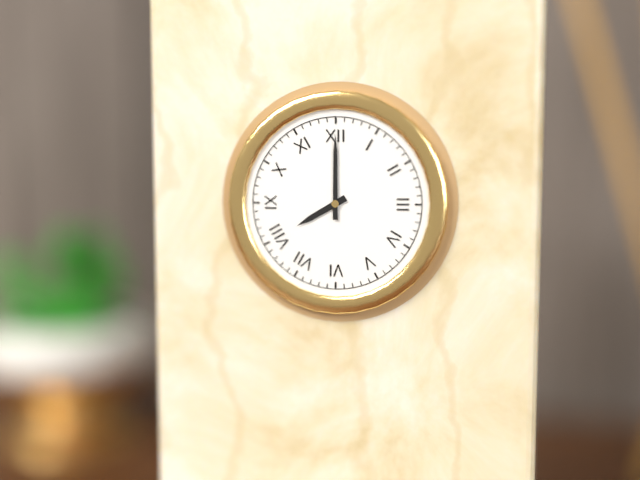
8:00
